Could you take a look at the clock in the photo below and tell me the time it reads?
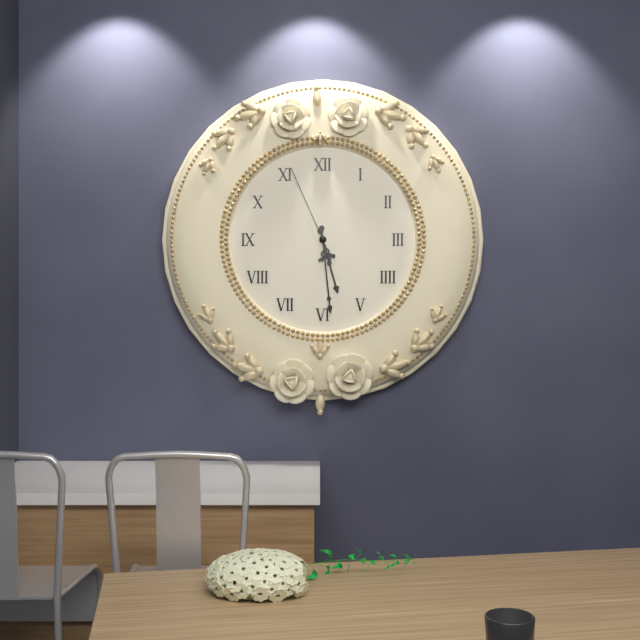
5:29:56
